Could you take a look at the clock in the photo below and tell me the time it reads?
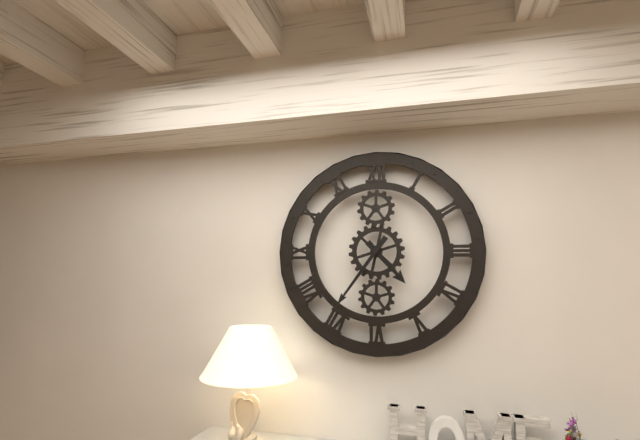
4:36
